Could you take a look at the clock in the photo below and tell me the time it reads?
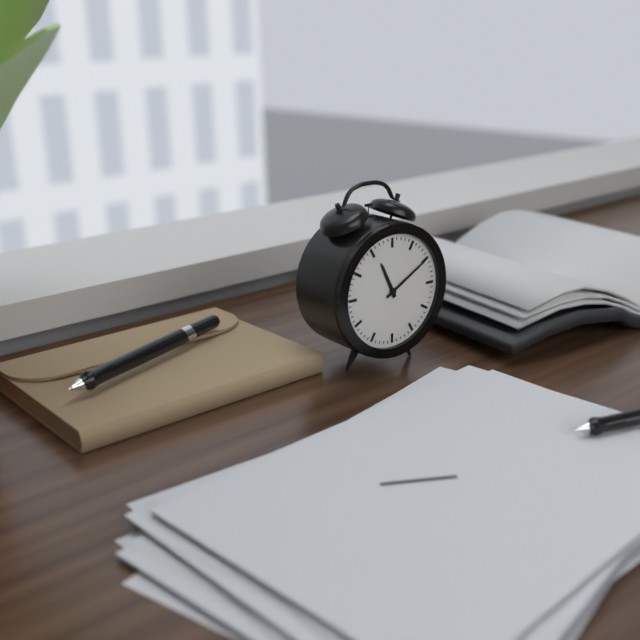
11:10
